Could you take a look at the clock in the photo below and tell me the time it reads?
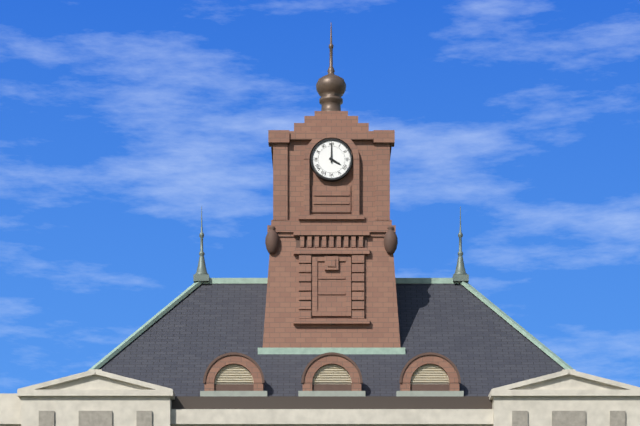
4:00
